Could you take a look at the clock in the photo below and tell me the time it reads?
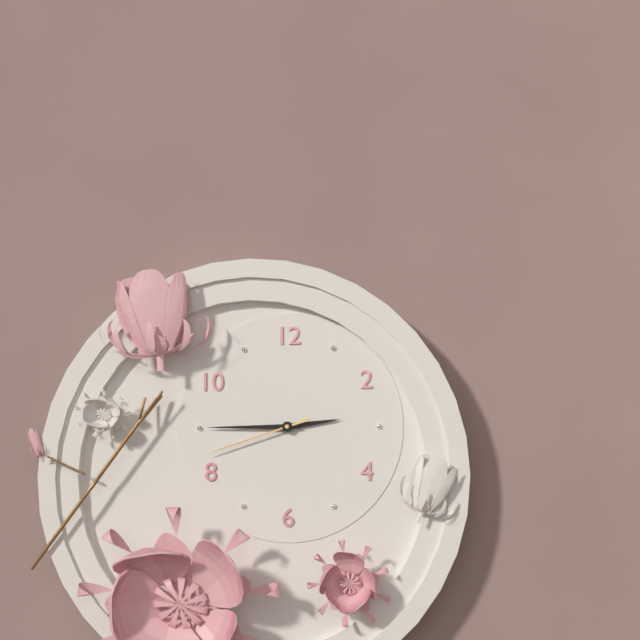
2:45:42
